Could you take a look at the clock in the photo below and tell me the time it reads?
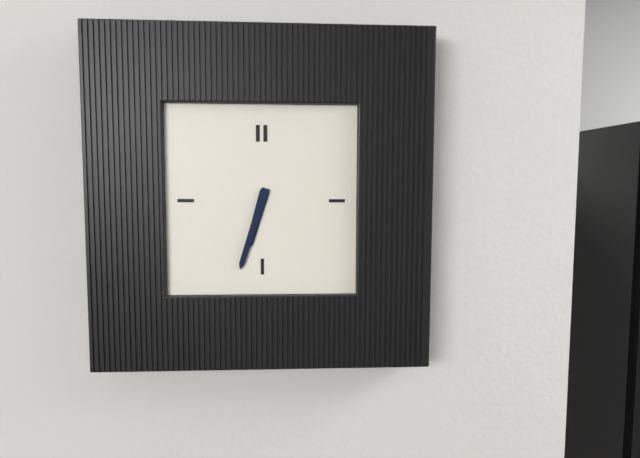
6:33
